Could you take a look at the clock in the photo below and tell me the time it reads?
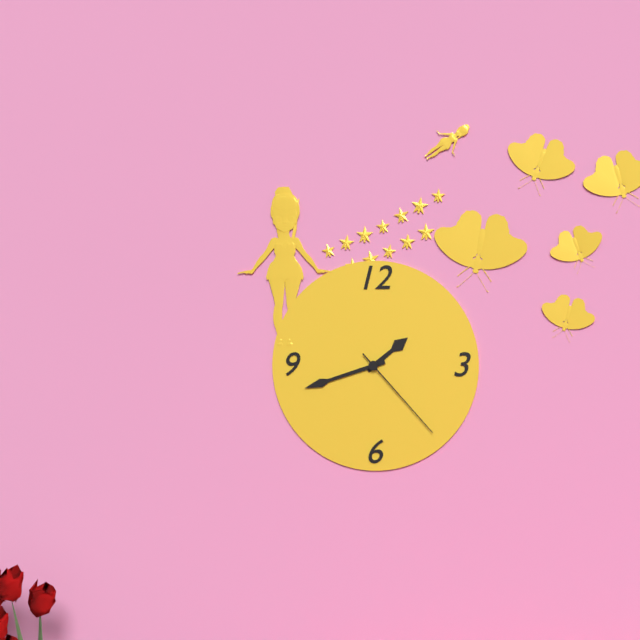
1:42:23
